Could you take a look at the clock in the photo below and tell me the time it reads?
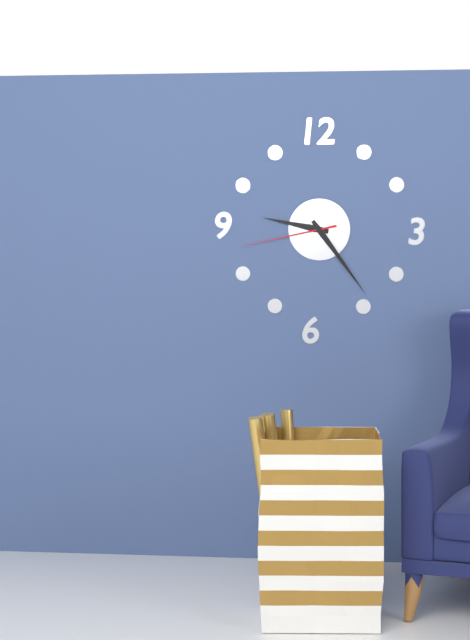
9:24:43
